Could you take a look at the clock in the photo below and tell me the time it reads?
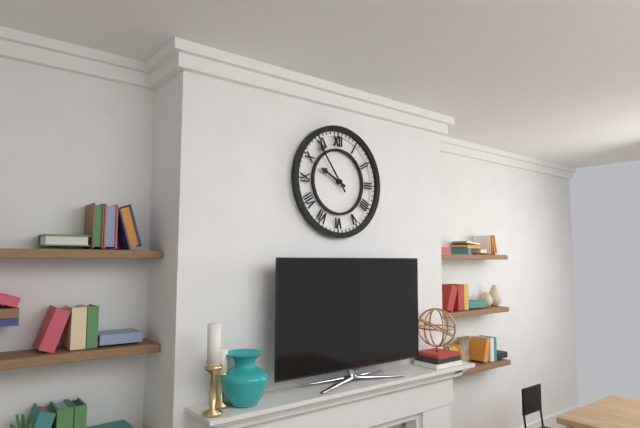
9:54
